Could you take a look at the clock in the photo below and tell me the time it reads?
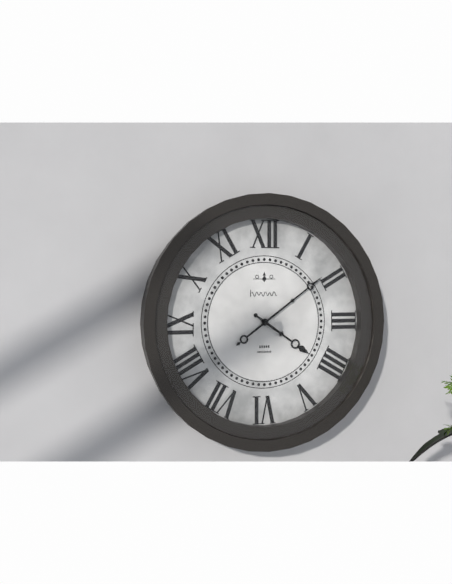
4:09
